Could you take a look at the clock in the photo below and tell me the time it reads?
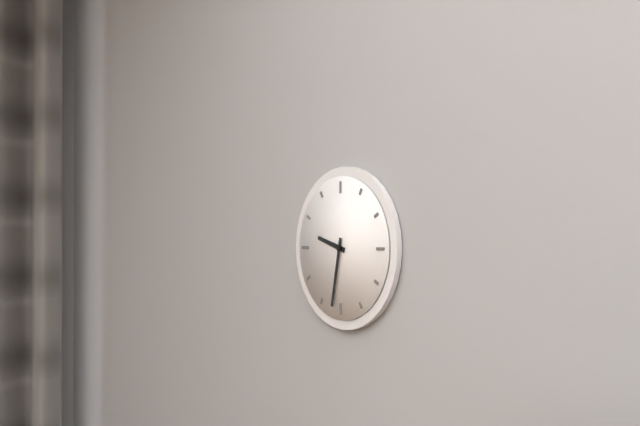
9:32
